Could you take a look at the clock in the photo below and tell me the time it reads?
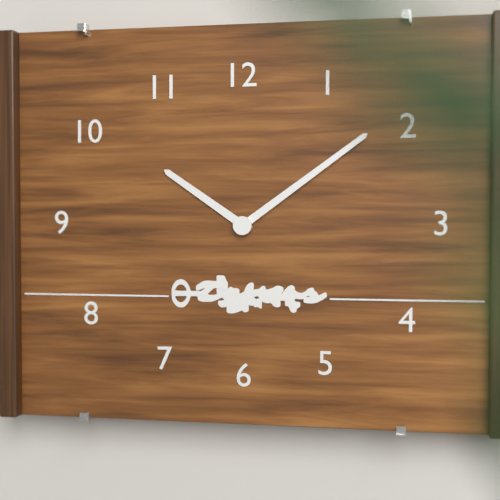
10:09
